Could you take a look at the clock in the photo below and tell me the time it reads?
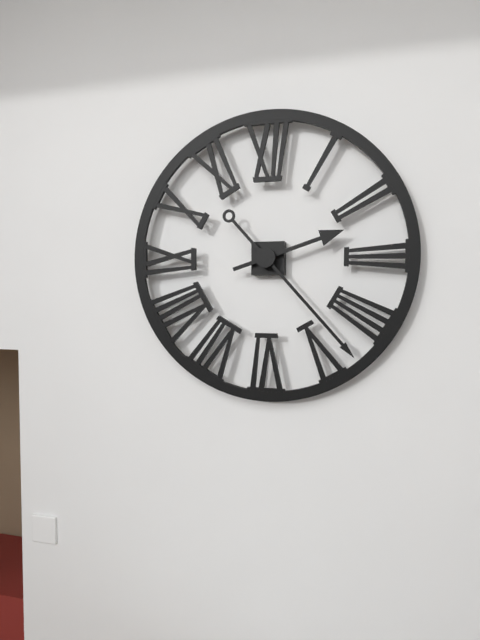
2:23
